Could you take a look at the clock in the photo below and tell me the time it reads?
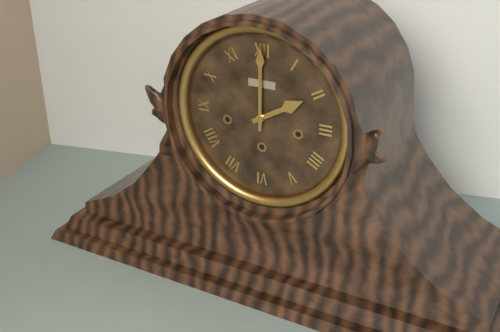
2:00
